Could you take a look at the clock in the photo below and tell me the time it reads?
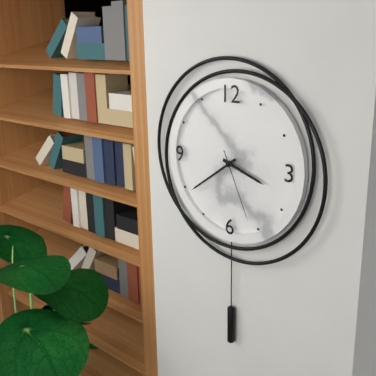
3:39:26
